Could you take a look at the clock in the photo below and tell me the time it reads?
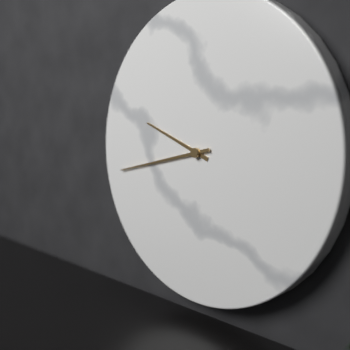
9:43
